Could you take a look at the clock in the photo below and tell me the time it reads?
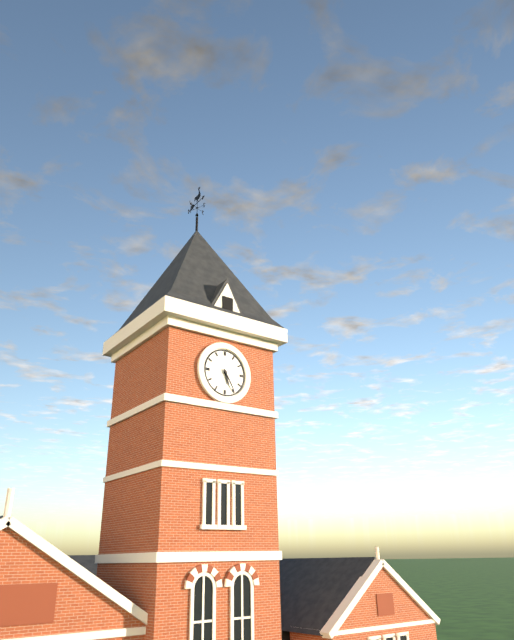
5:25
